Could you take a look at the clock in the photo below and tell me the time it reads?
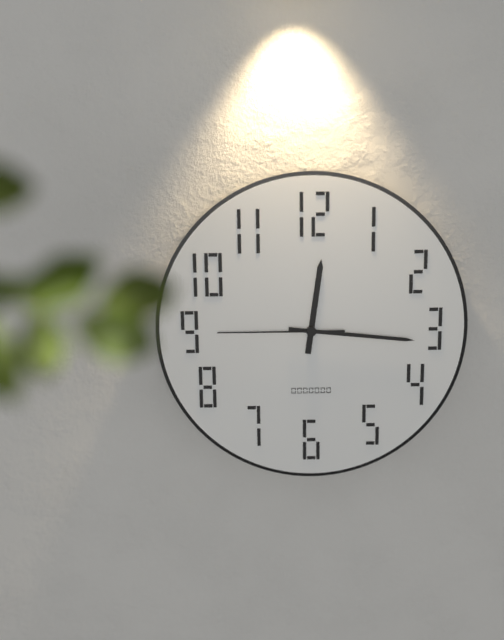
12:16:45
